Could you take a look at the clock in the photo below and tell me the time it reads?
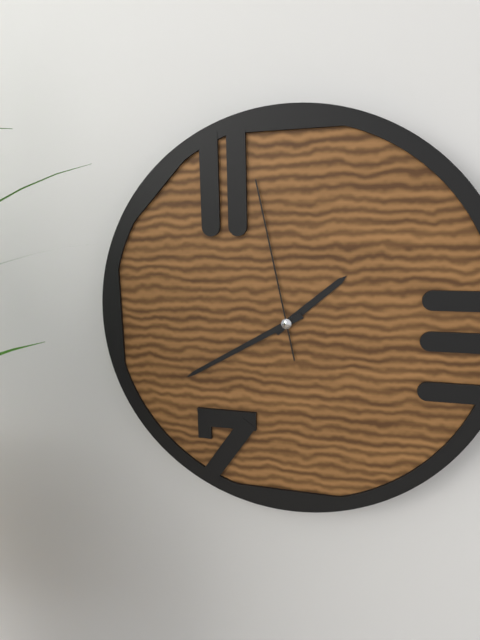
1:40:58
